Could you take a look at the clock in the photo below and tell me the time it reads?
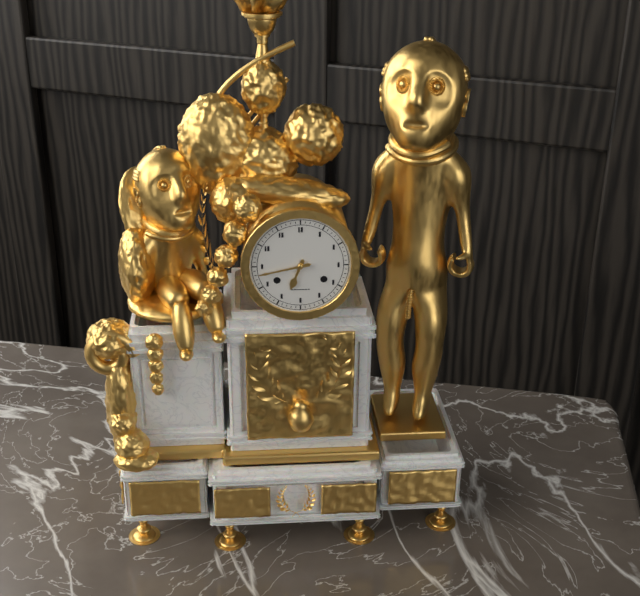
6:43
